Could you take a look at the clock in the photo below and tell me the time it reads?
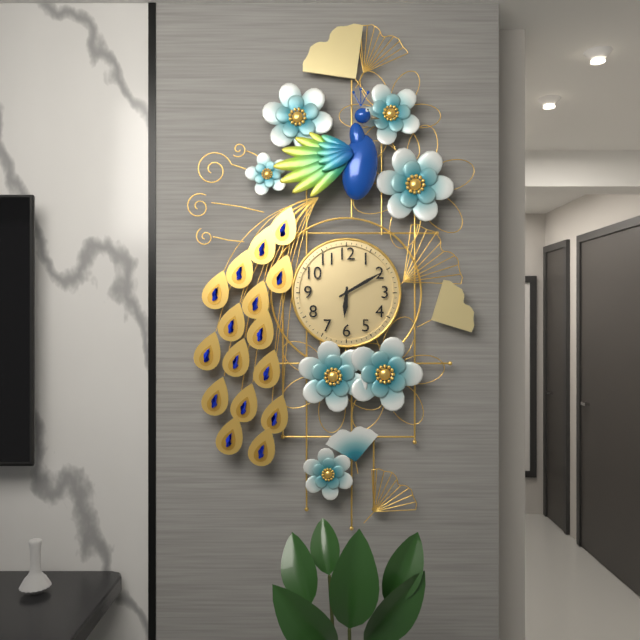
6:10
